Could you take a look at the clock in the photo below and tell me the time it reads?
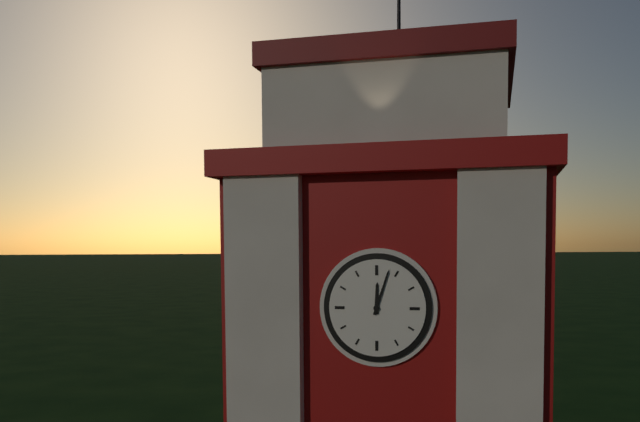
12:03
